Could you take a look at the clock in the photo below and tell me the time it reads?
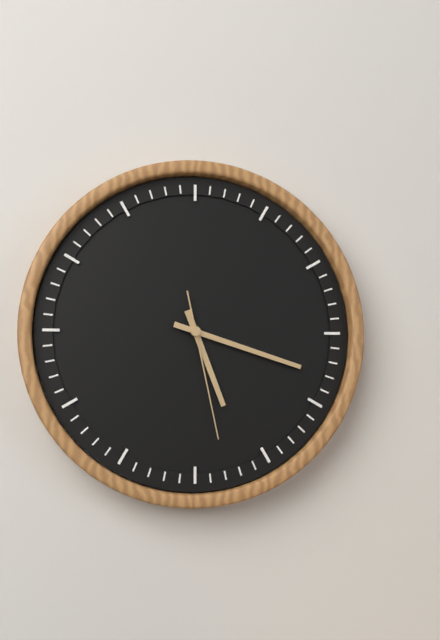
5:18:28
